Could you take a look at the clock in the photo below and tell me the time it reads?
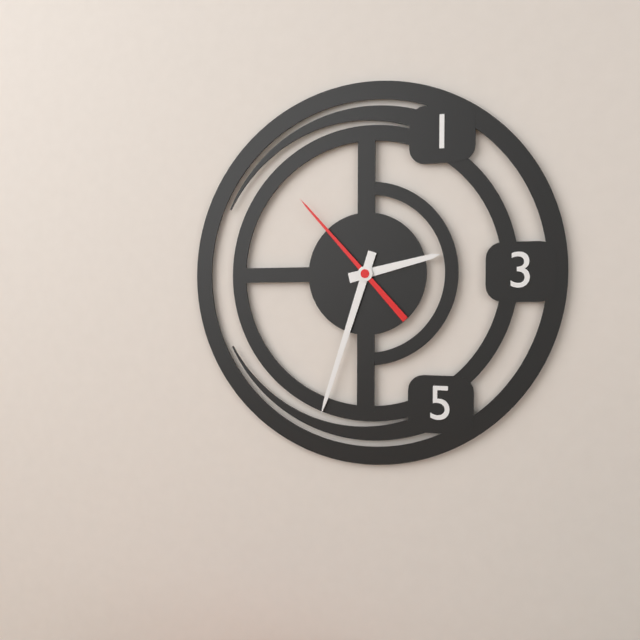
2:33:53
